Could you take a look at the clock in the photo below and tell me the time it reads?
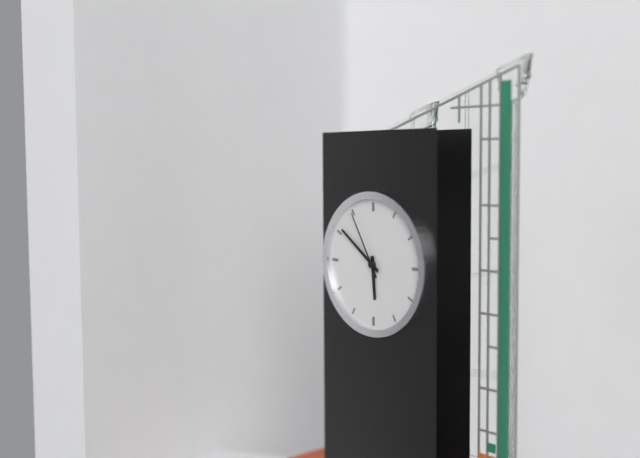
5:51:55
